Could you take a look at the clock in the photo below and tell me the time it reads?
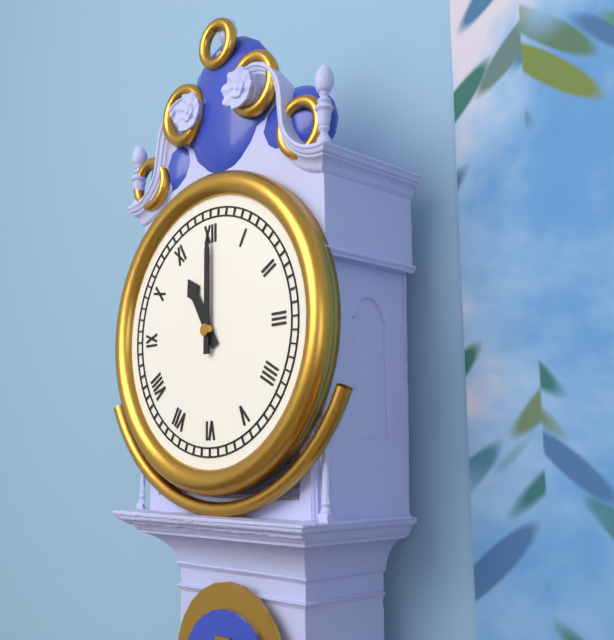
11:00
